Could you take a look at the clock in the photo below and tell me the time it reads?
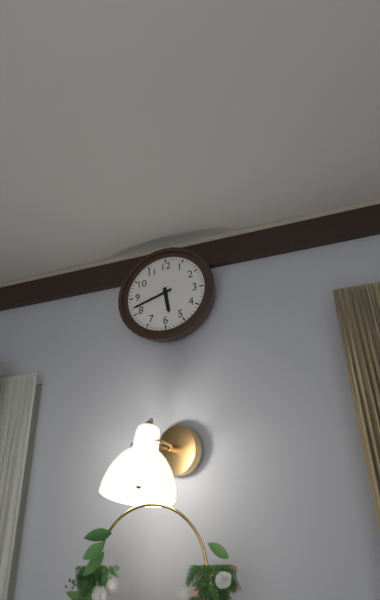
5:42
